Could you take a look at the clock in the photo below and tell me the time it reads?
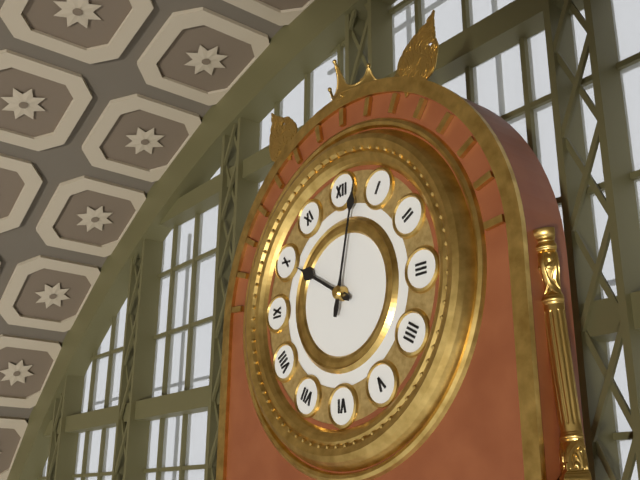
10:02
